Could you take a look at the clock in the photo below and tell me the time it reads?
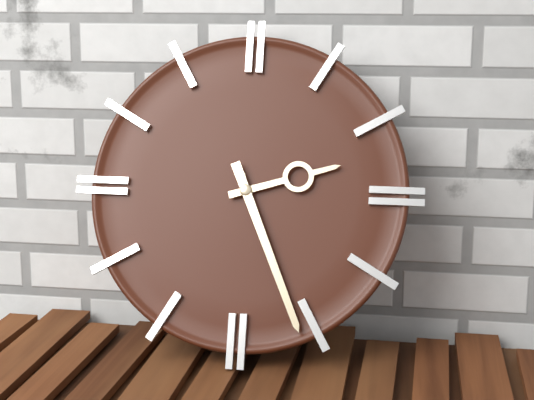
2:26
